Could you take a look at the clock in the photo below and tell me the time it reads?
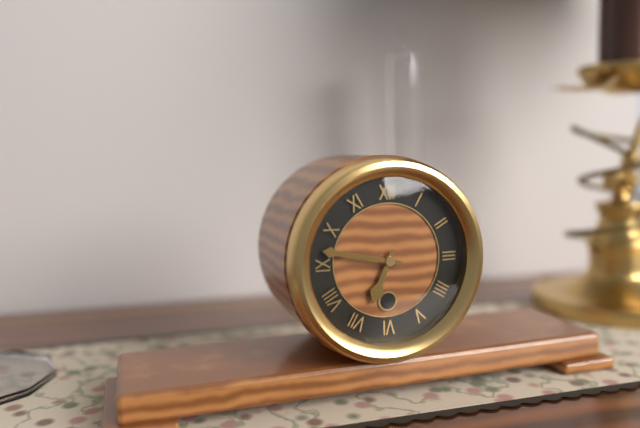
6:47
